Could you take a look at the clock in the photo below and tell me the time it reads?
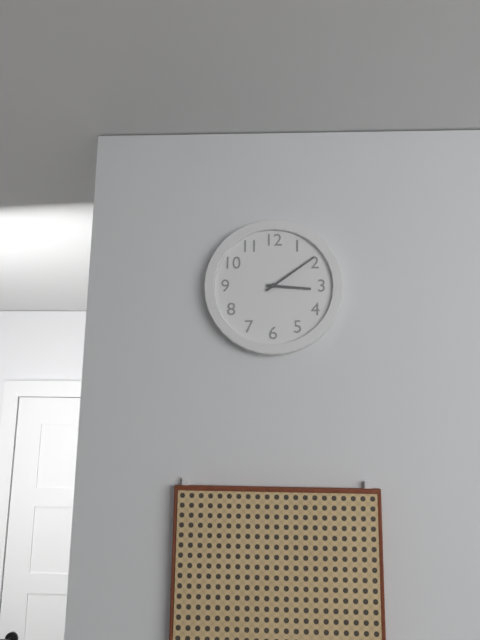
3:09
